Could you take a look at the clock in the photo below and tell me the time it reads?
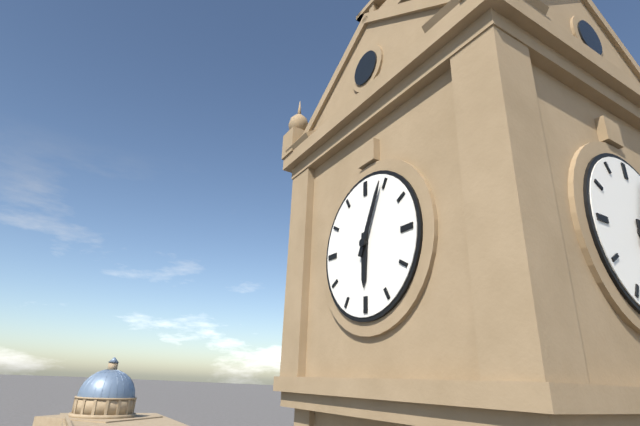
6:04
